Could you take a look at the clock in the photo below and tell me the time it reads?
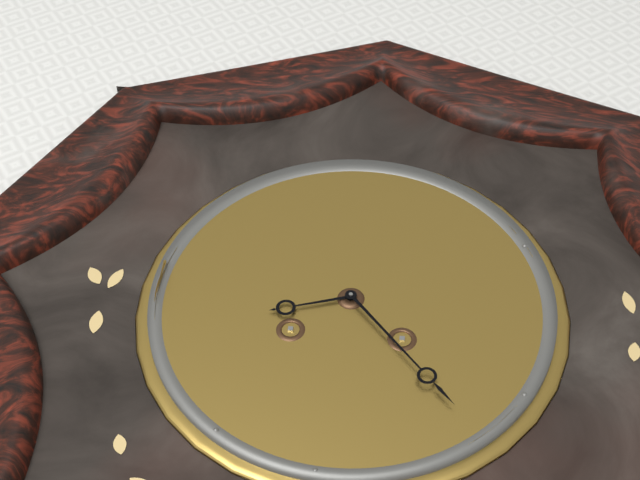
8:23
